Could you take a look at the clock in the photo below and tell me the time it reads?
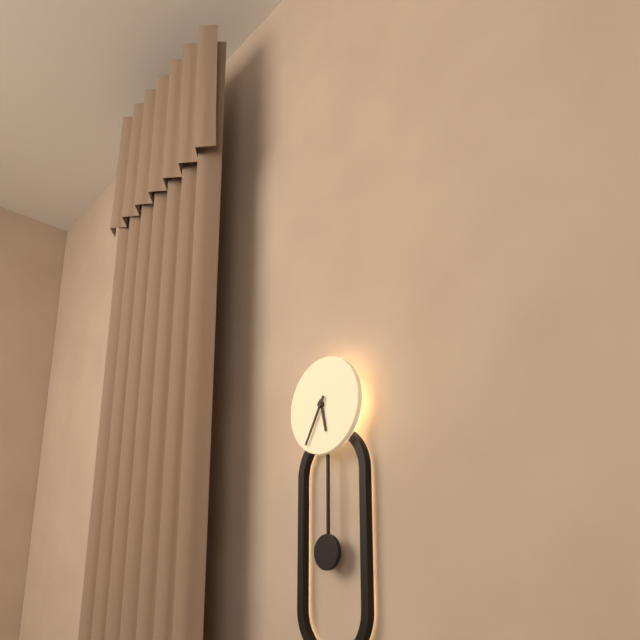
5:35
